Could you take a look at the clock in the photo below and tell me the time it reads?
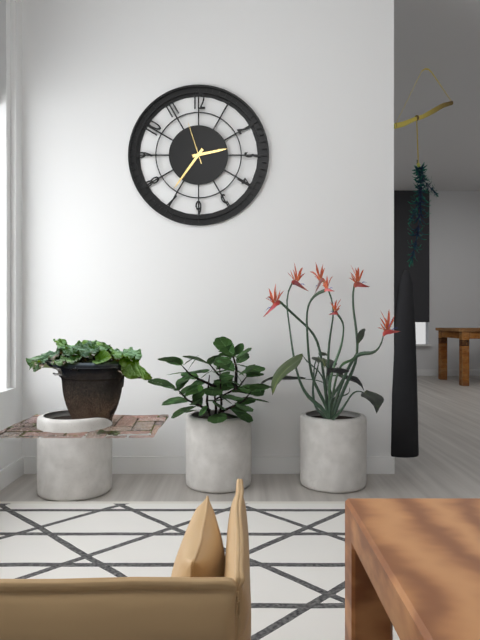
2:36
